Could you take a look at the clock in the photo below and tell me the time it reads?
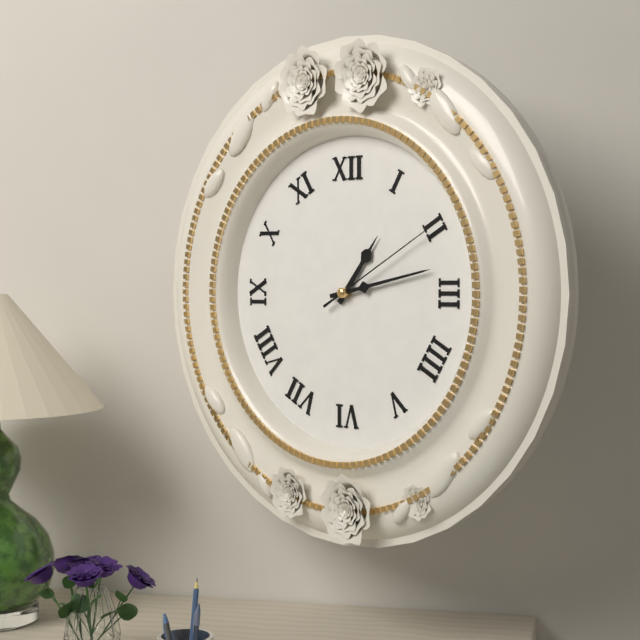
1:13:10
